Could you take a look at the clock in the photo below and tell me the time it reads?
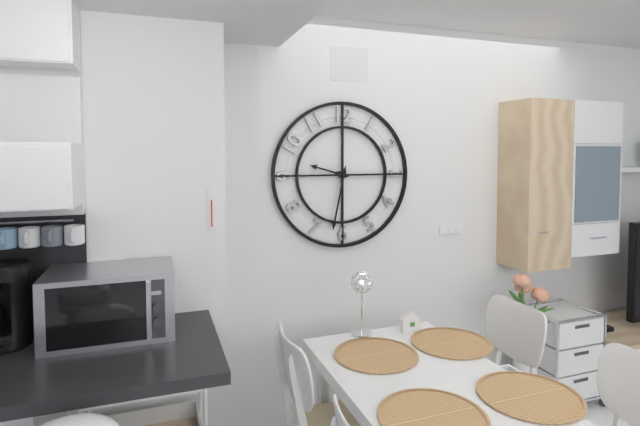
9:32
